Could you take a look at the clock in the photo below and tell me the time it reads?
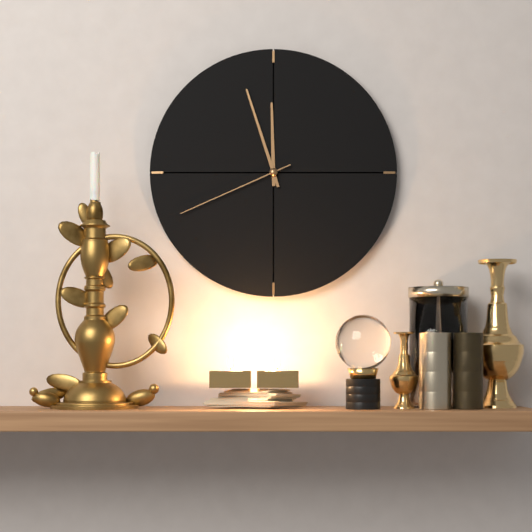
11:57:41
